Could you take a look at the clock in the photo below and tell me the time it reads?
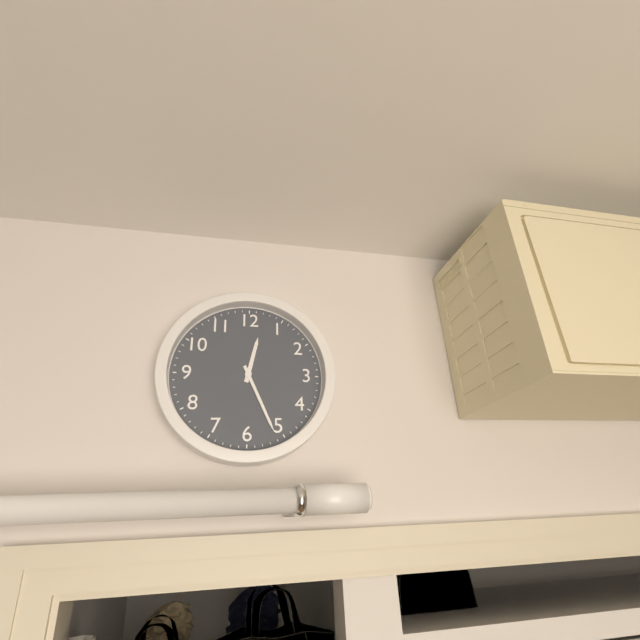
12:26
